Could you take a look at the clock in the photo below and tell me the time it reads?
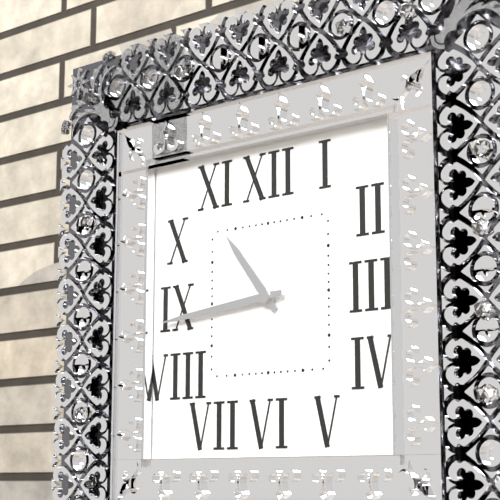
10:44
